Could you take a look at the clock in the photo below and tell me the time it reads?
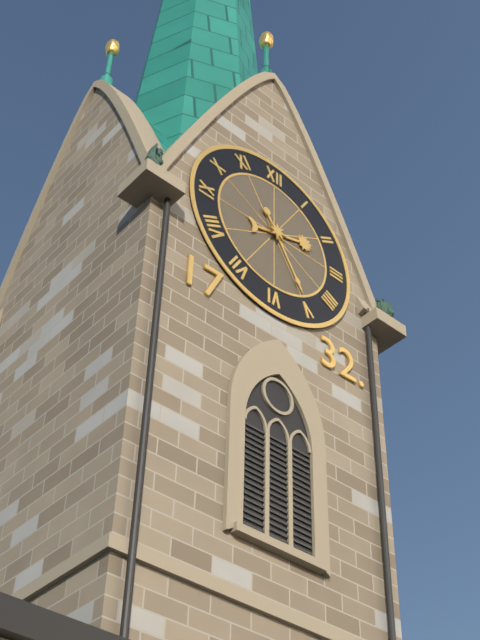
2:25
